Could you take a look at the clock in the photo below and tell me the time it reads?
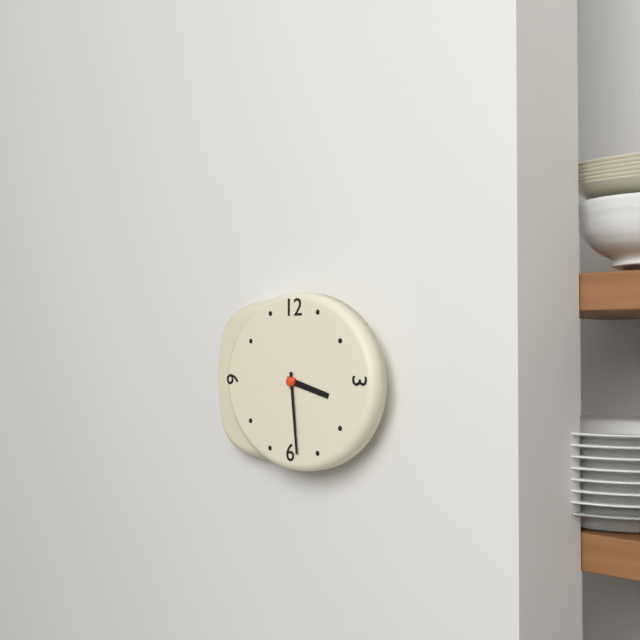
3:29
